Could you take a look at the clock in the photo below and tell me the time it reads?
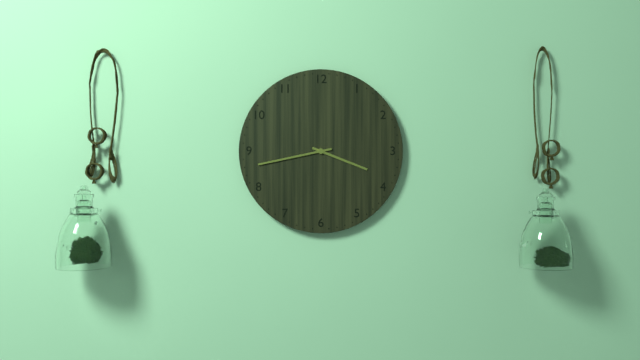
3:43
